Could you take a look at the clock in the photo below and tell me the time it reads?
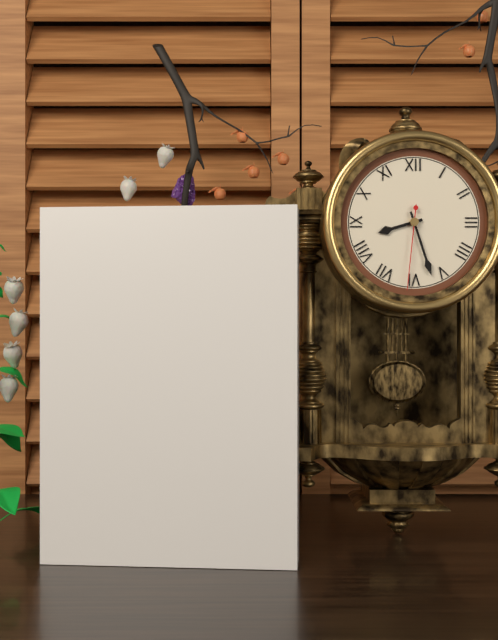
8:27:31
